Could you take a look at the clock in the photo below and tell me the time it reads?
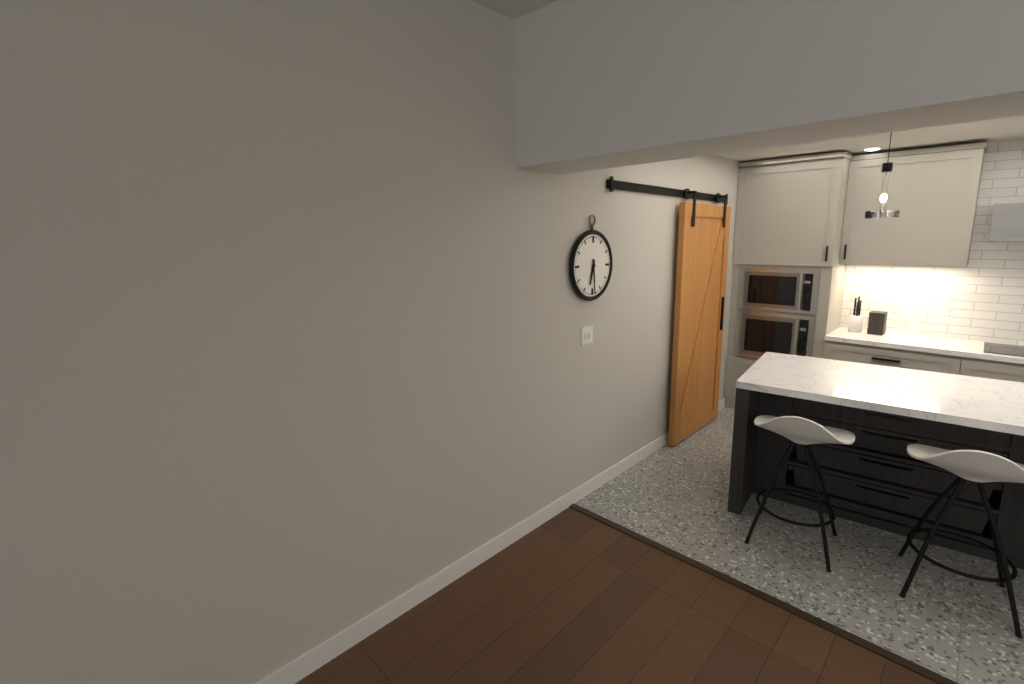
6:29
